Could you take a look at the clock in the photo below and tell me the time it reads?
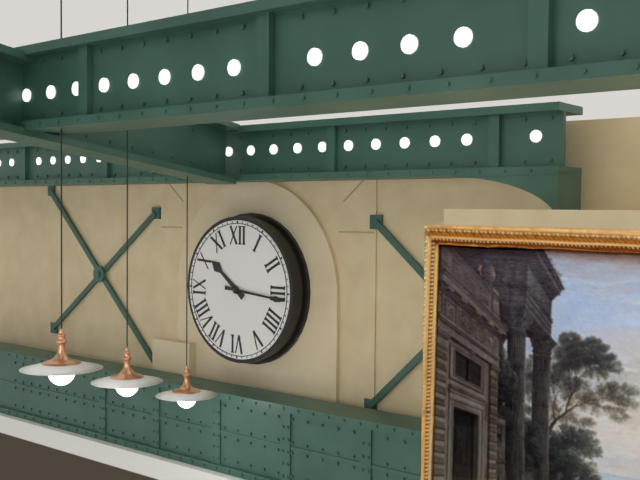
10:16
